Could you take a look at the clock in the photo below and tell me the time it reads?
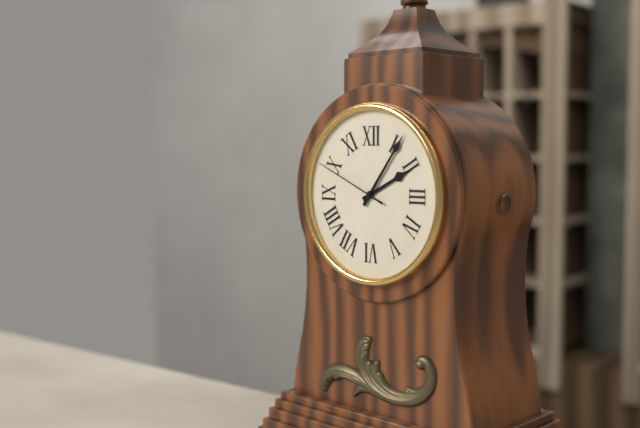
2:06:49
